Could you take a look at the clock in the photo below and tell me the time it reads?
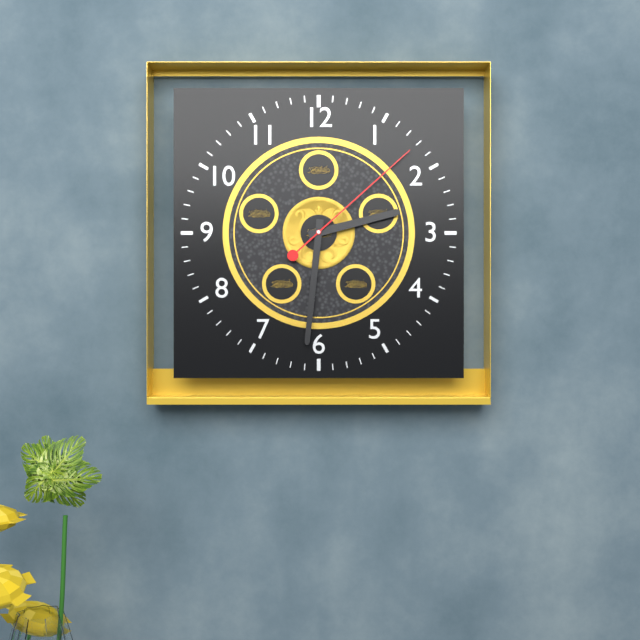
2:31:08
